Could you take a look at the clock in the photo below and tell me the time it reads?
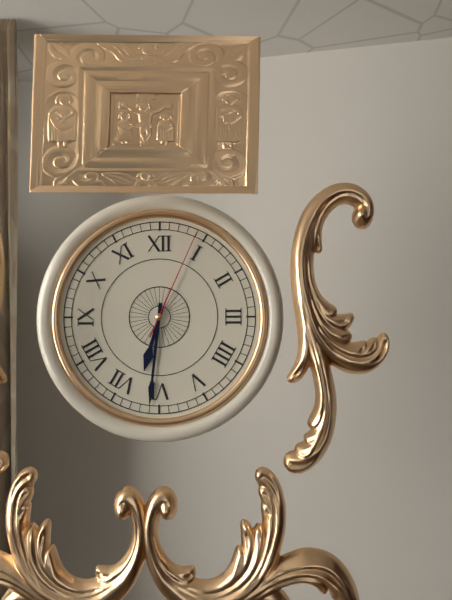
6:31:04
